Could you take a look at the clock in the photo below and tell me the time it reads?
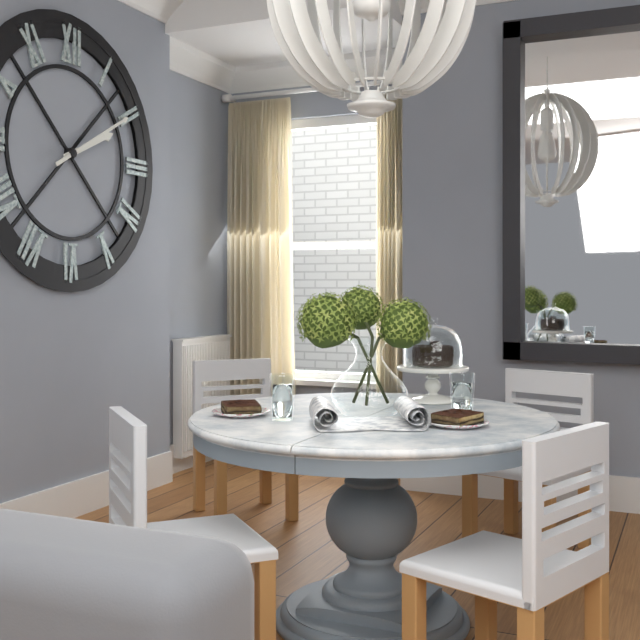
2:10
